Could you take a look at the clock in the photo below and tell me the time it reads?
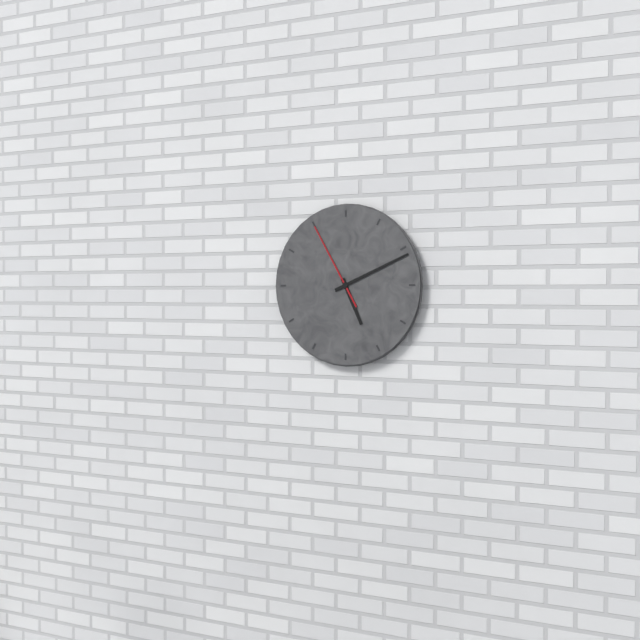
5:11:55
